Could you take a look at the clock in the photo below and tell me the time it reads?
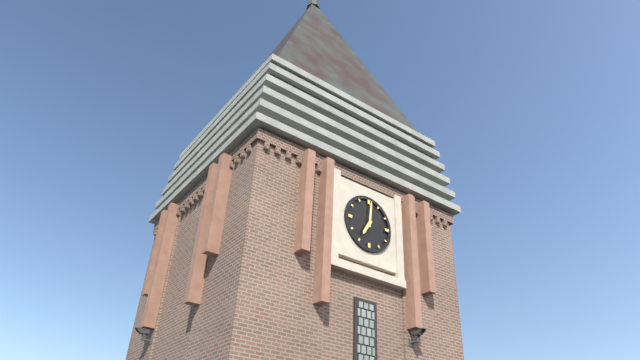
7:01
